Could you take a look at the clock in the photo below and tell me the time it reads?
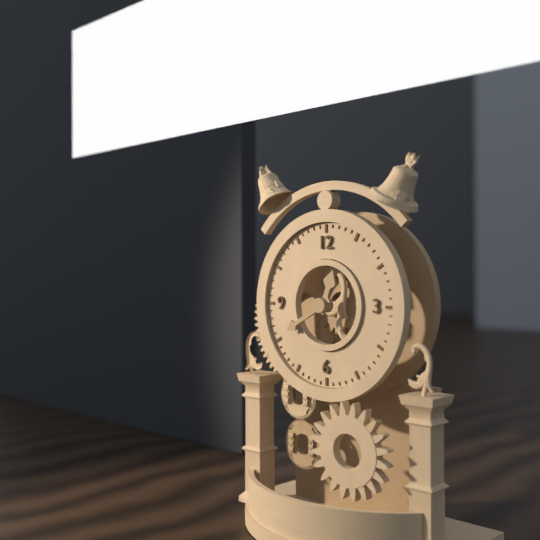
12:40
